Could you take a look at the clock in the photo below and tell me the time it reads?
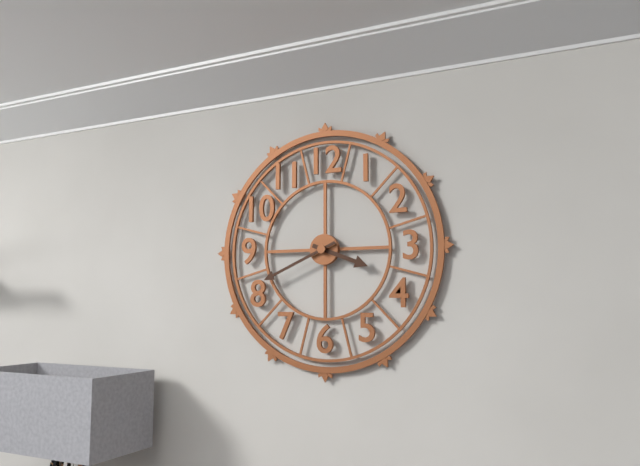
3:41
